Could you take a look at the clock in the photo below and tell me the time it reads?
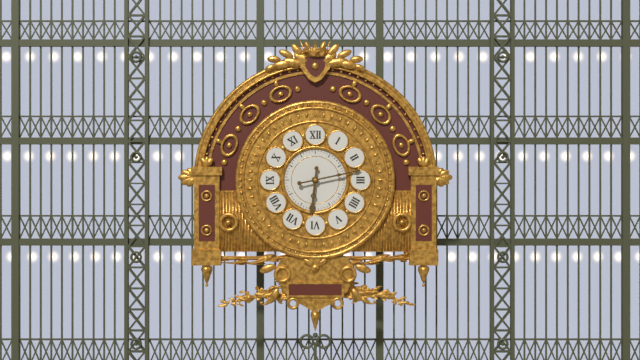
6:13
